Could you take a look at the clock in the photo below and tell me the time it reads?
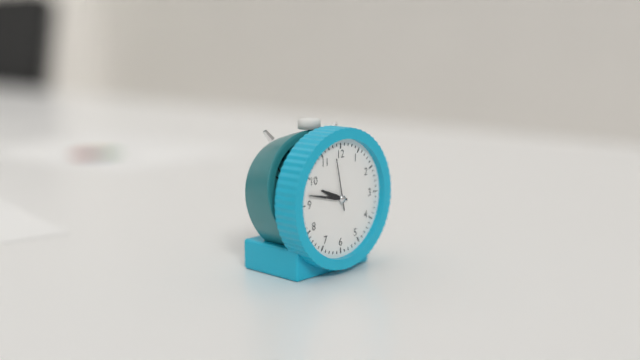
9:47:58
